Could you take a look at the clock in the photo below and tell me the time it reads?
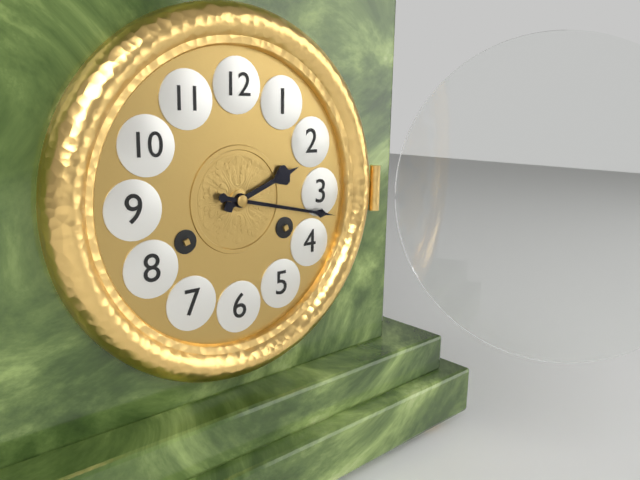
2:17
